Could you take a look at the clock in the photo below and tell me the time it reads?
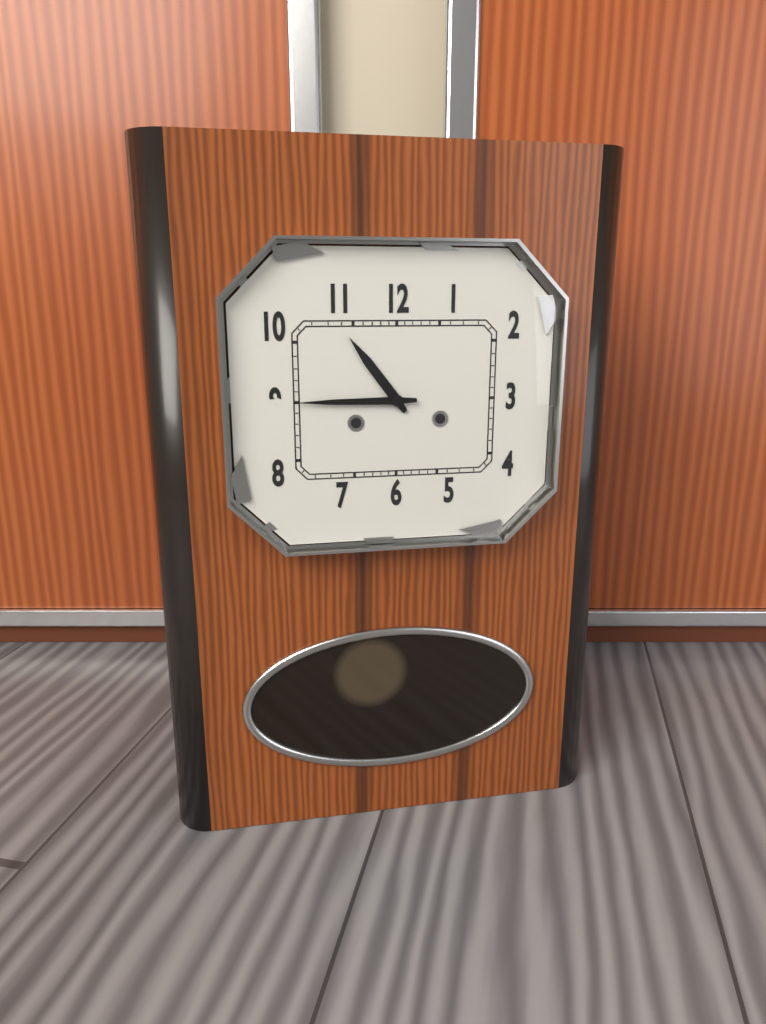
10:45
